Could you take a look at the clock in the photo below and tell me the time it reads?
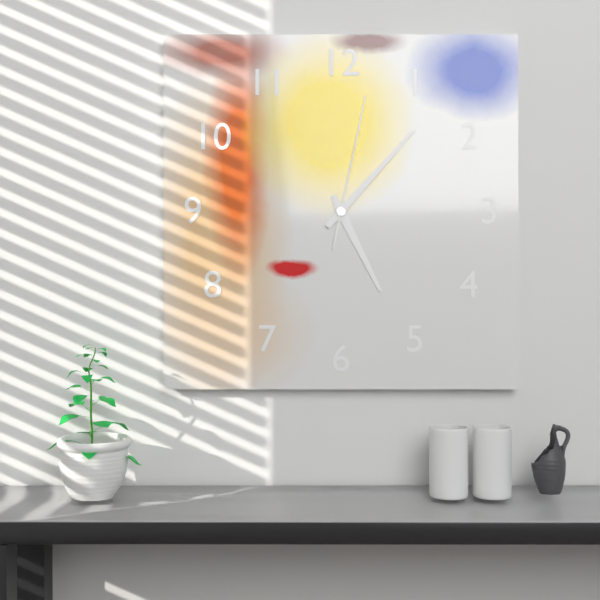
5:07:02
